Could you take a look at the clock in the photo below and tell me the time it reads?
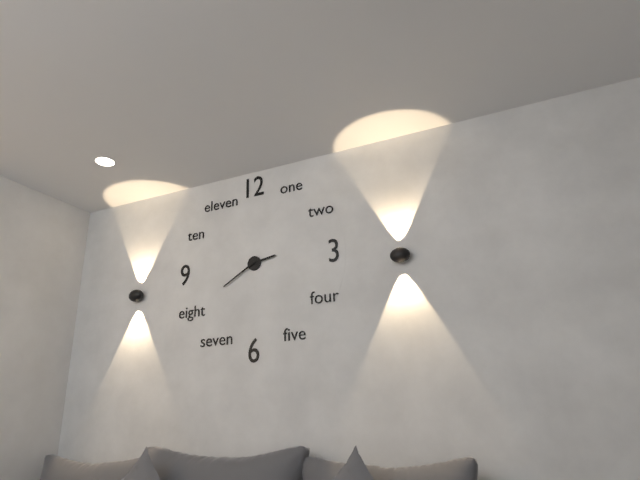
2:40
